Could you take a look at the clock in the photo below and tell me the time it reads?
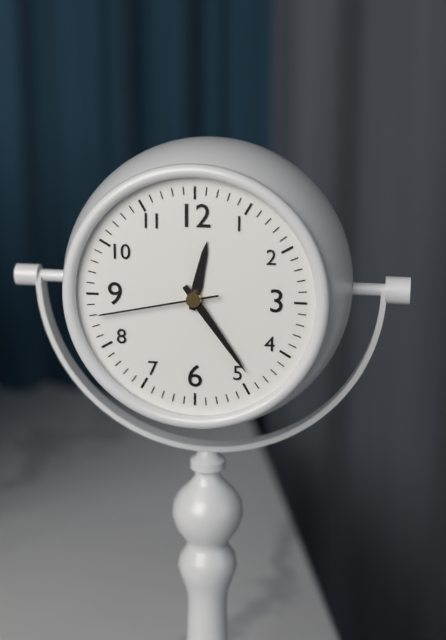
12:24:43
